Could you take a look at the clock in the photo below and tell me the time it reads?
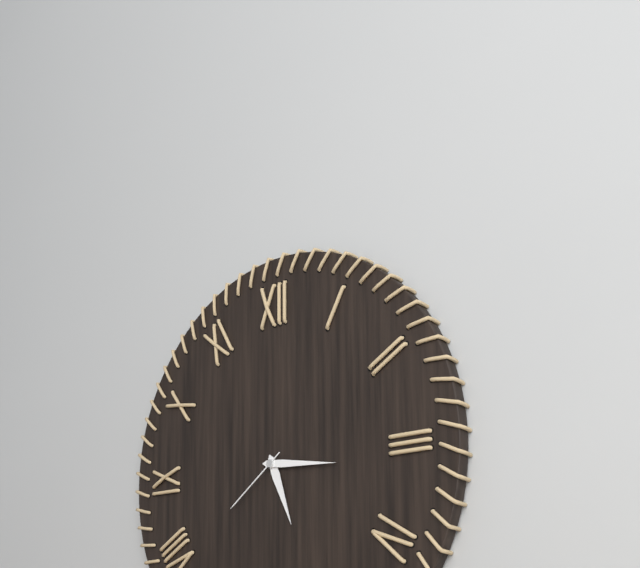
5:16:39
